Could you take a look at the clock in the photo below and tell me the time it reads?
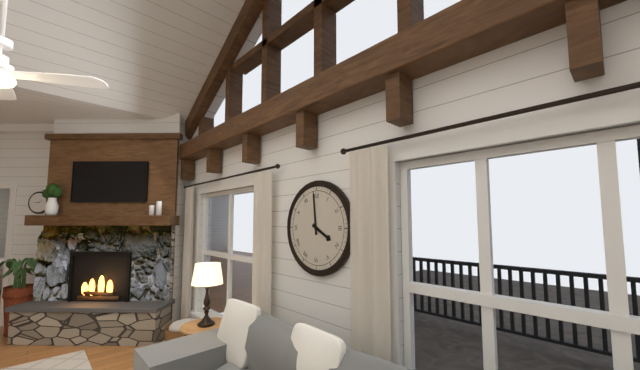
3:59
